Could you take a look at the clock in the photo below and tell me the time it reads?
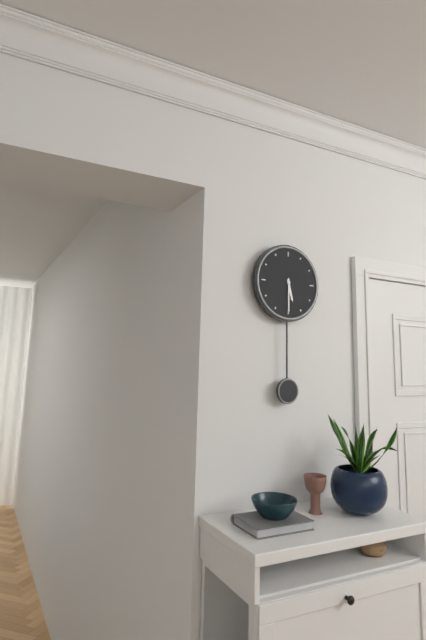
5:30
